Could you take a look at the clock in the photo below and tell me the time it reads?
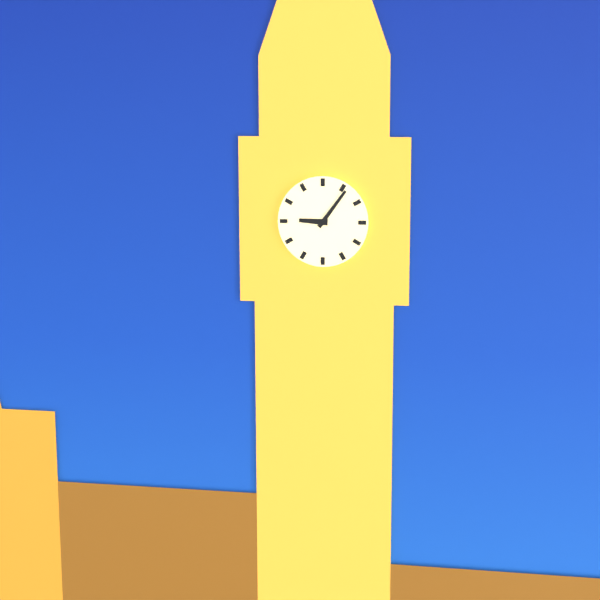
9:06
